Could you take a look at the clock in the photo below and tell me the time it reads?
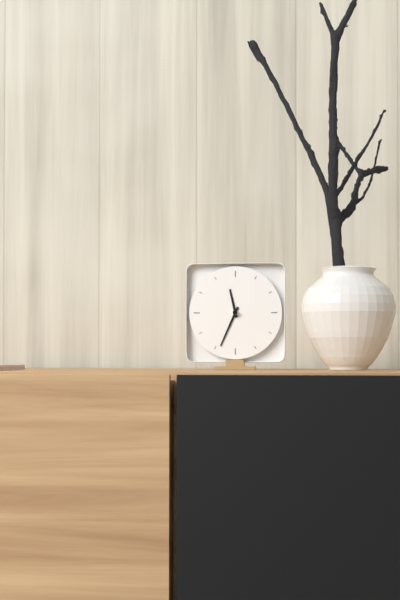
11:34
